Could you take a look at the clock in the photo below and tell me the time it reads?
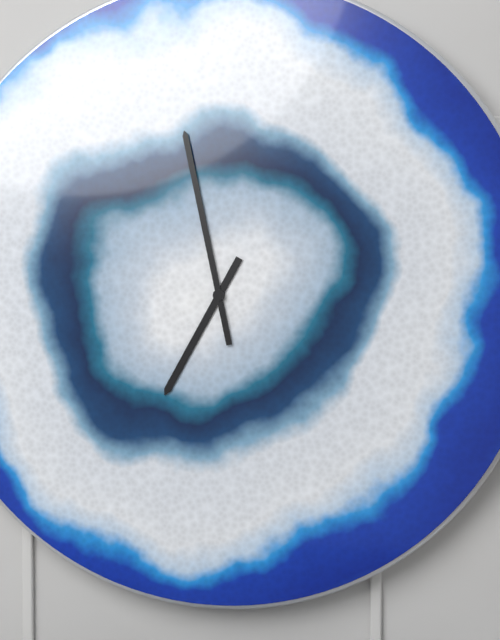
6:58
